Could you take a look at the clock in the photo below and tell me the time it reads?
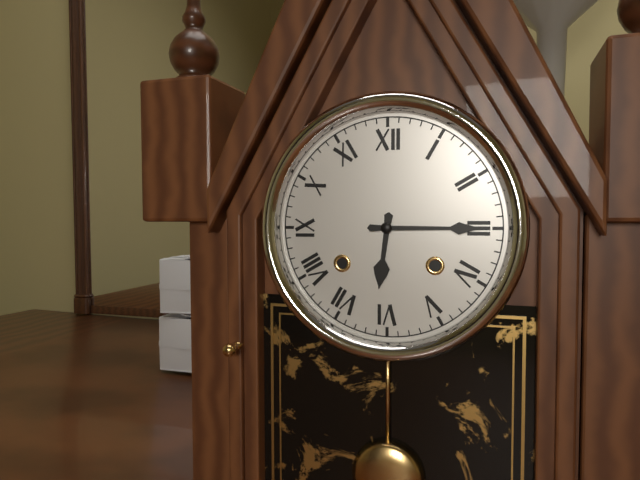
6:15
